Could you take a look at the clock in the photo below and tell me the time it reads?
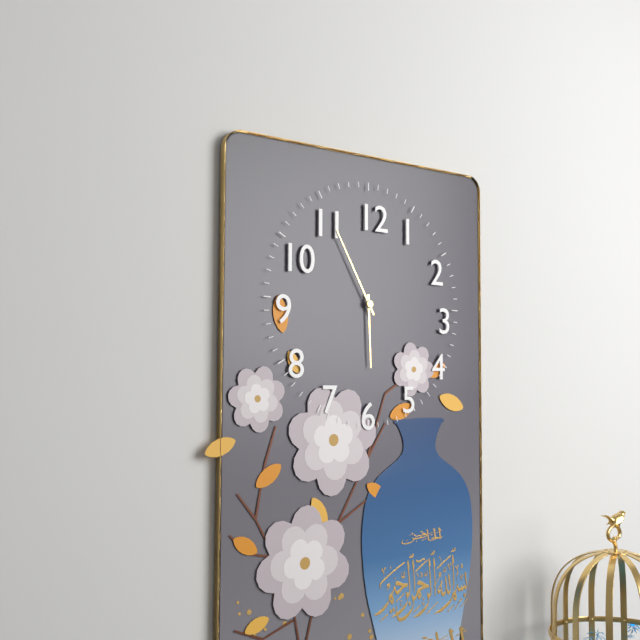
5:55
